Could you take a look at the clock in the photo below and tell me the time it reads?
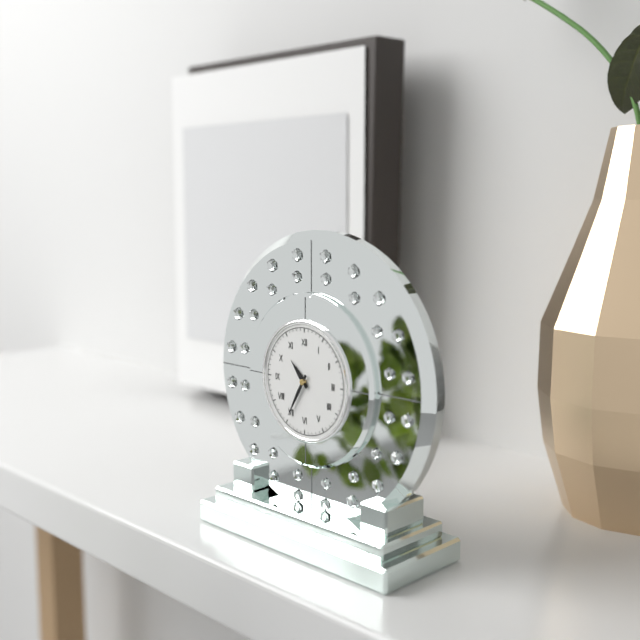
10:35
